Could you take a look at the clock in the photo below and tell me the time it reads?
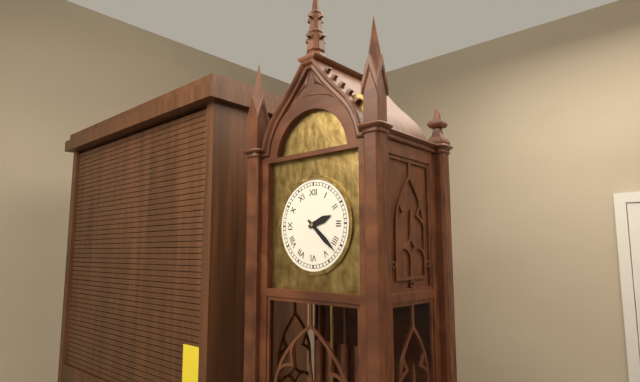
2:22
